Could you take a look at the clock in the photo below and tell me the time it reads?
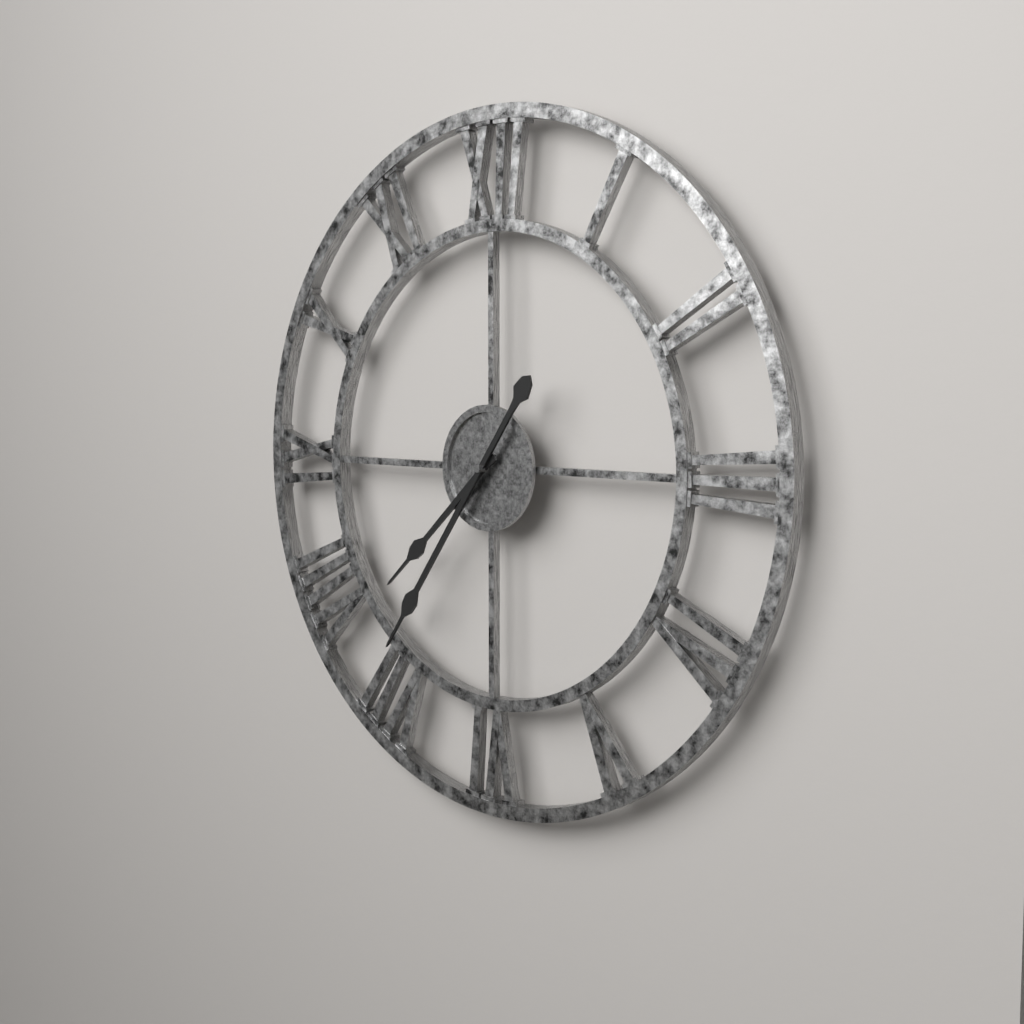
7:36
